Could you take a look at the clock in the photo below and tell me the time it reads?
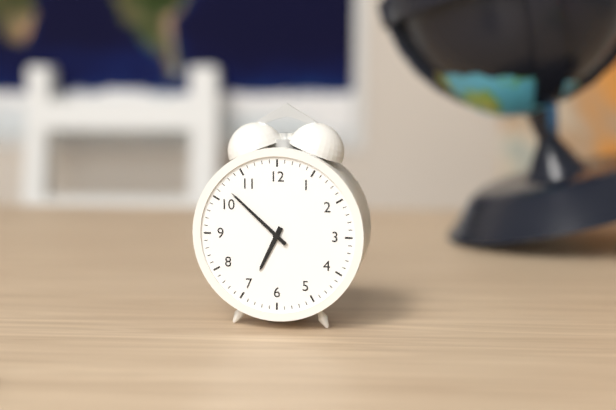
6:52
